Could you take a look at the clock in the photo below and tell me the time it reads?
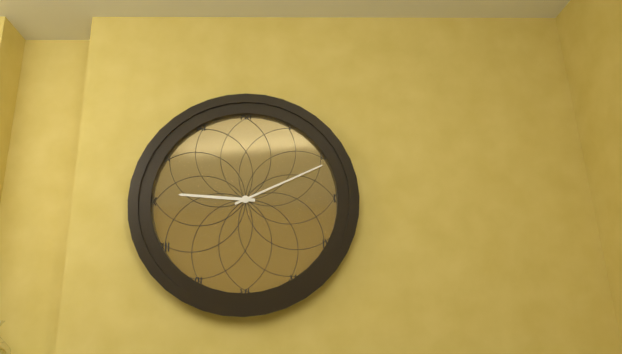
9:11
